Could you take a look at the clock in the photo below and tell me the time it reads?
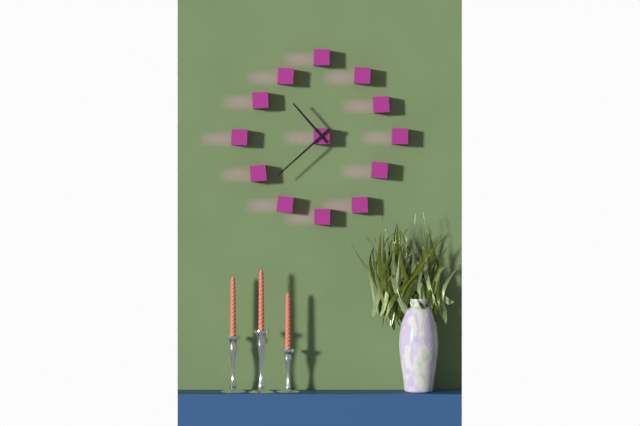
10:38
